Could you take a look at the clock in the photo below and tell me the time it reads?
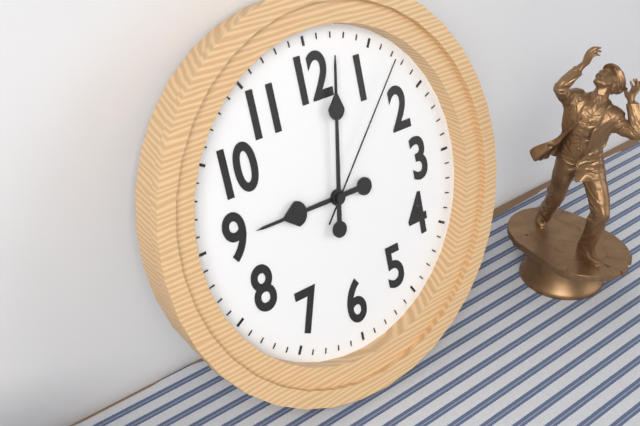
9:02:07
